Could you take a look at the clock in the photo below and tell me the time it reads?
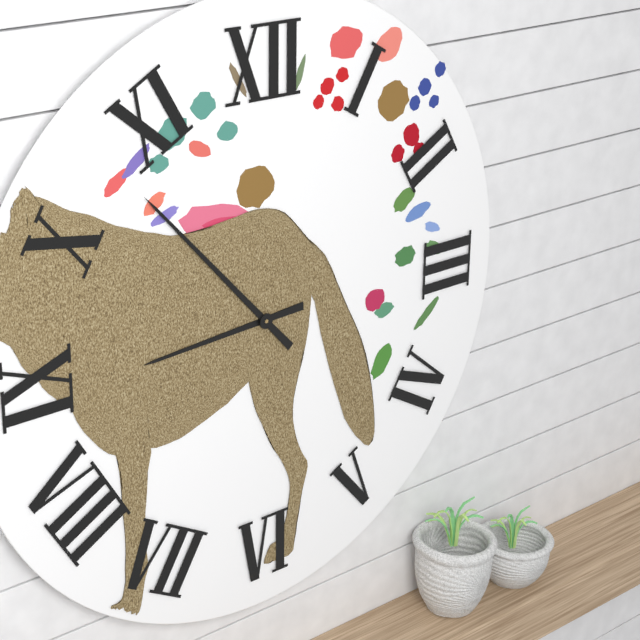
8:53
